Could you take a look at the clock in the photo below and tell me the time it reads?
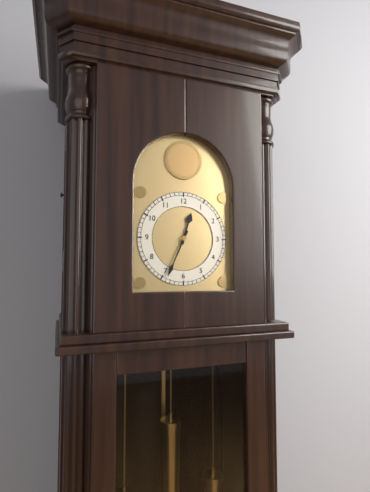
12:34
